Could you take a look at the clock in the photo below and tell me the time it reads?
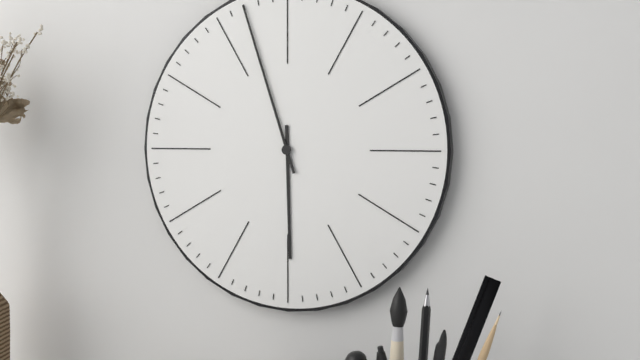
5:57
